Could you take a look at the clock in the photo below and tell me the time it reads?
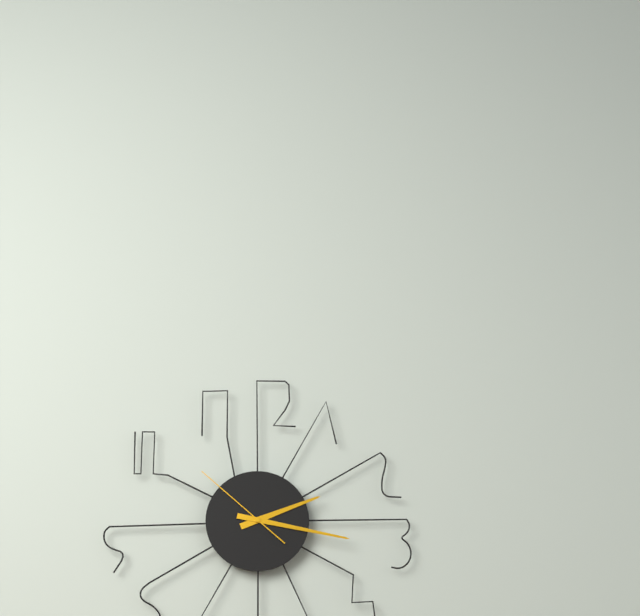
2:17:52
